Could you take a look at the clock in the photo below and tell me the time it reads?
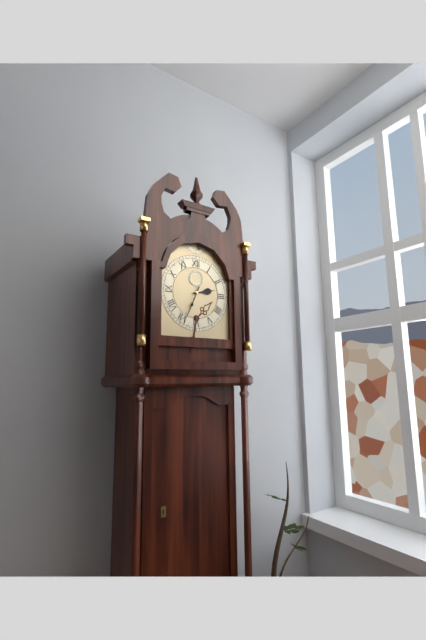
2:34
